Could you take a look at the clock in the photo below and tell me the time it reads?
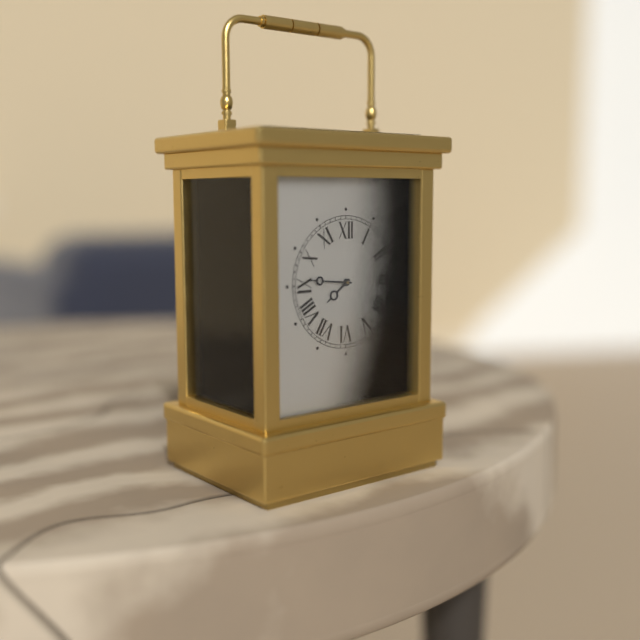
7:46
